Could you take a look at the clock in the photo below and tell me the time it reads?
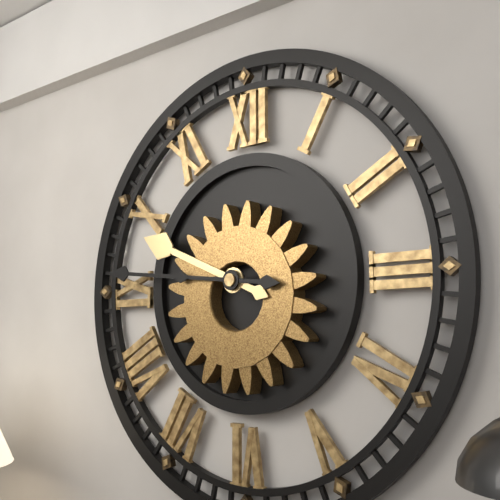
9:46
